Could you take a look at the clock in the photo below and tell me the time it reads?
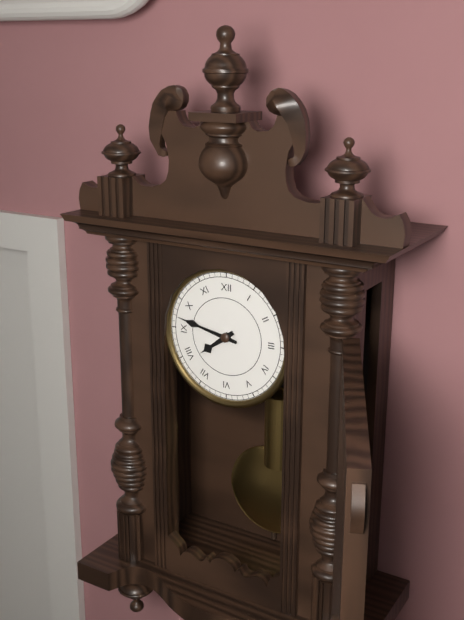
7:47
